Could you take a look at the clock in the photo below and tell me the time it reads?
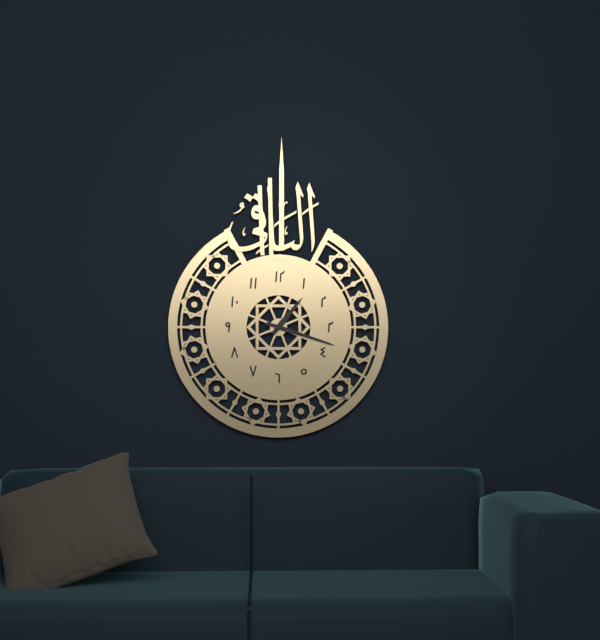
1:18
